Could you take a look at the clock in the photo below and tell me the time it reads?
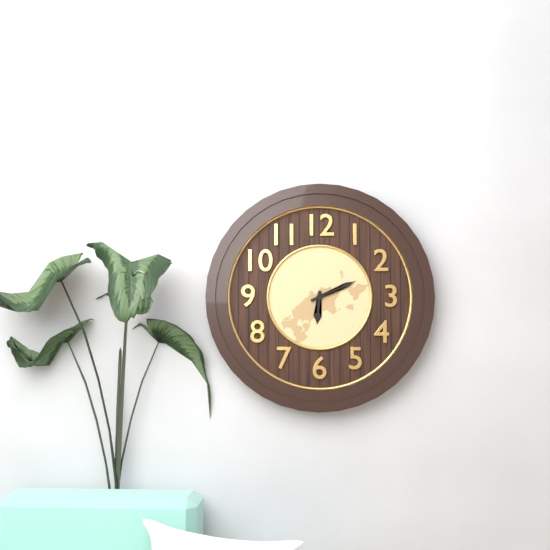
6:11
